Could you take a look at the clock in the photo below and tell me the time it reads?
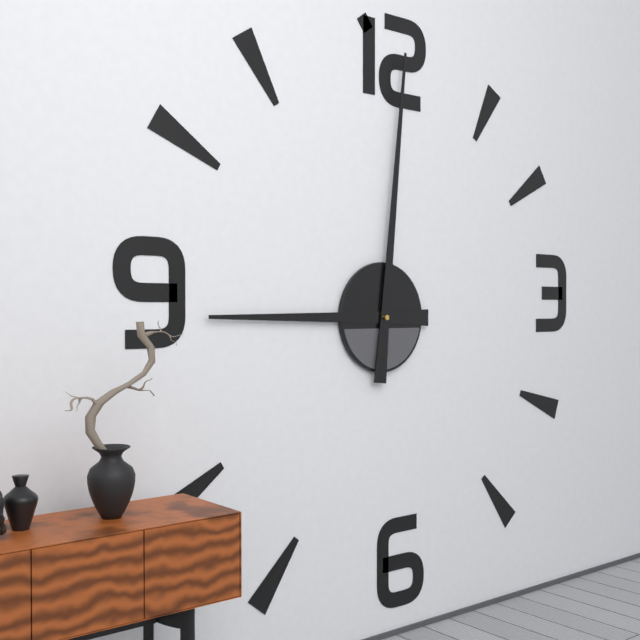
9:01
